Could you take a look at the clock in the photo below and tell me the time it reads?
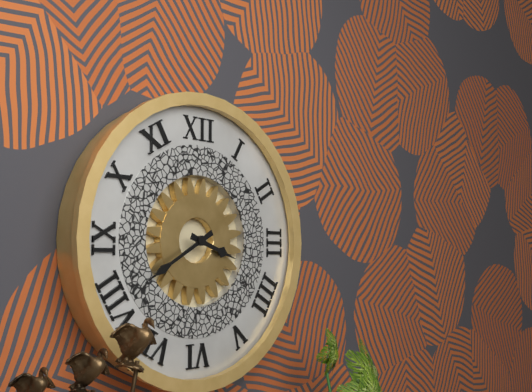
3:40
